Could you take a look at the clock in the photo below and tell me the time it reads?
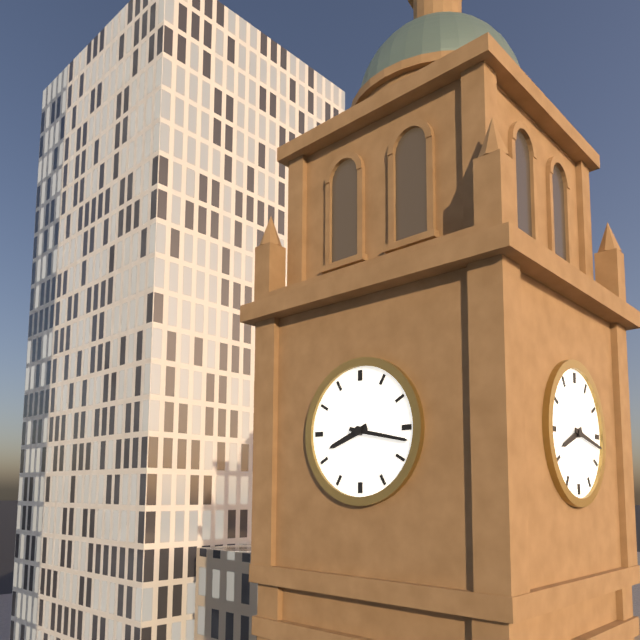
8:17
